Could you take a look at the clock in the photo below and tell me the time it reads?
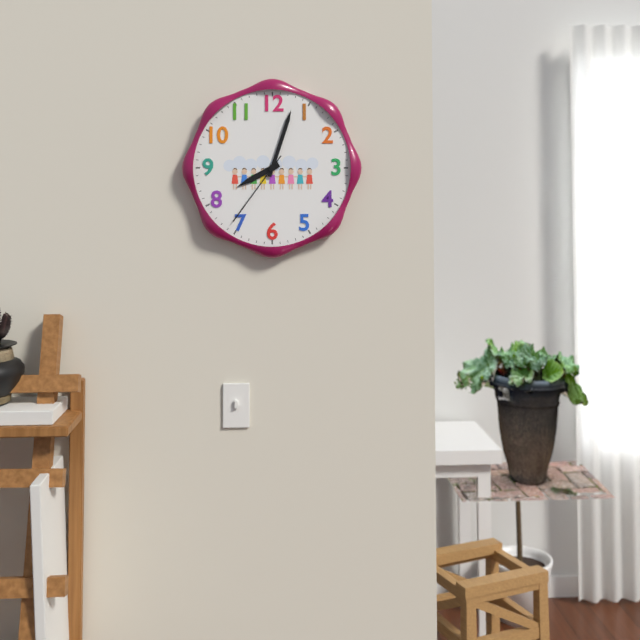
8:03:36
